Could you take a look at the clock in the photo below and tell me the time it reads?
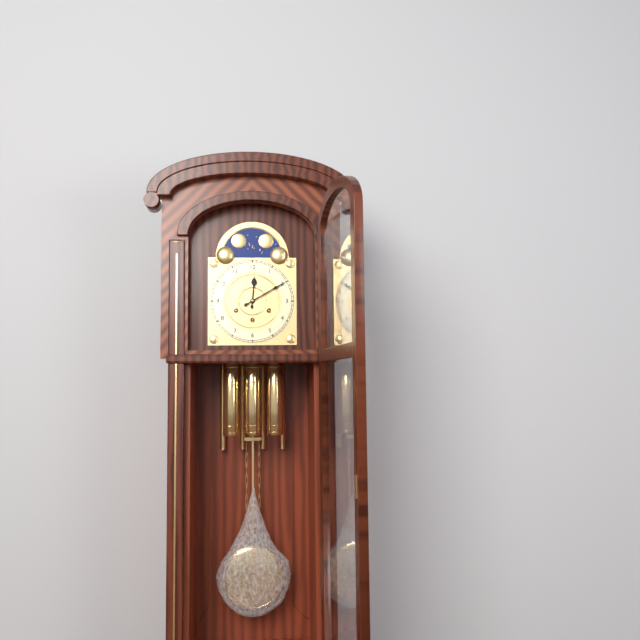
12:10
